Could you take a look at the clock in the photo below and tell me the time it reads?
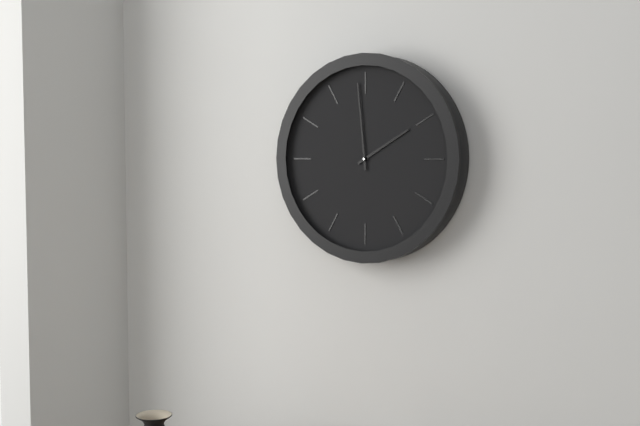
1:59
